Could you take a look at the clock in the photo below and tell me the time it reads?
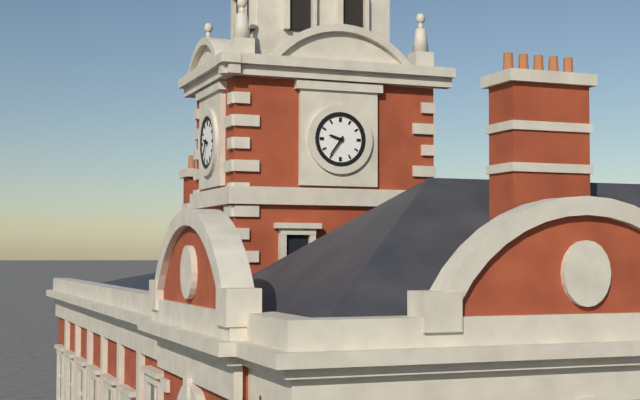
9:36
